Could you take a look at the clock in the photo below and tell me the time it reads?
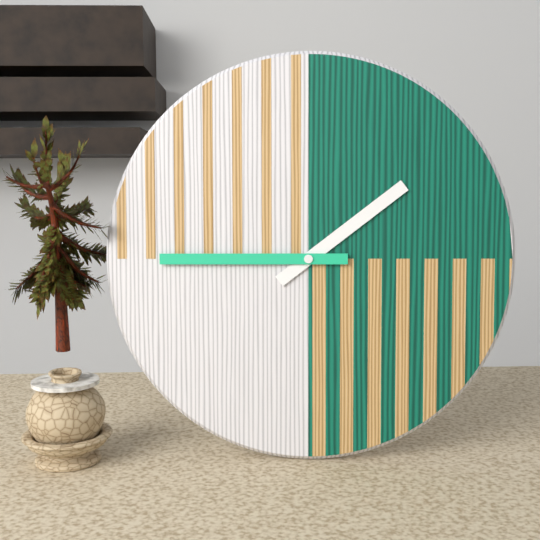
1:45
